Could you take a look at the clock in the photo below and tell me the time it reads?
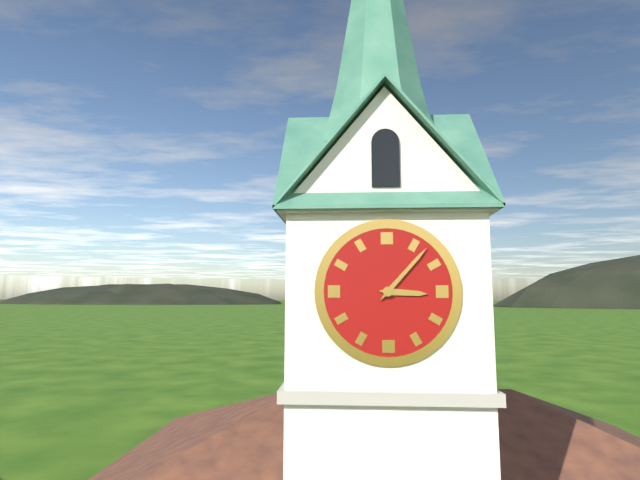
3:07
